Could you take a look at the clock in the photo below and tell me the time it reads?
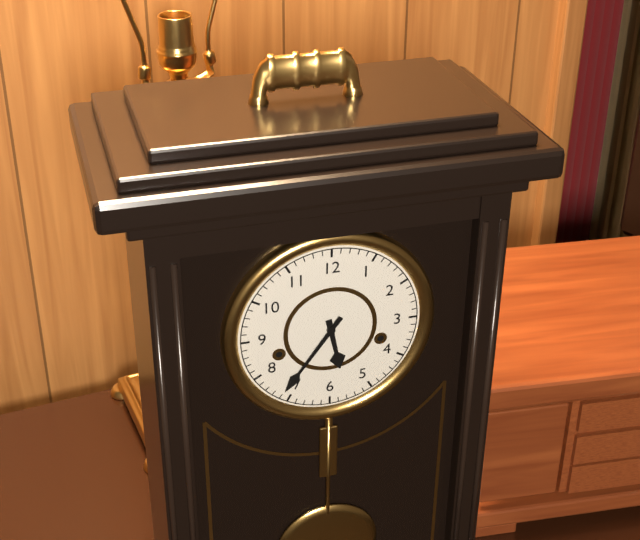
5:36
